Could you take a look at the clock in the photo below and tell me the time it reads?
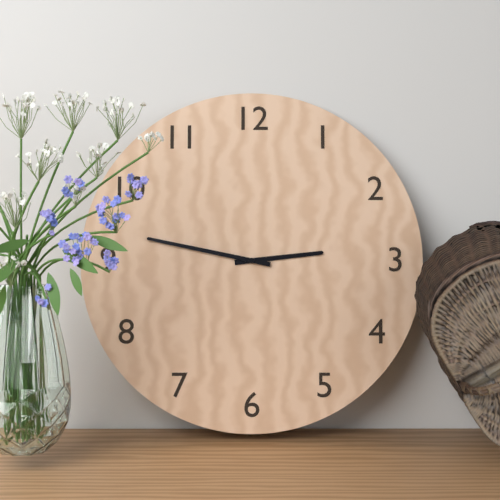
2:47
